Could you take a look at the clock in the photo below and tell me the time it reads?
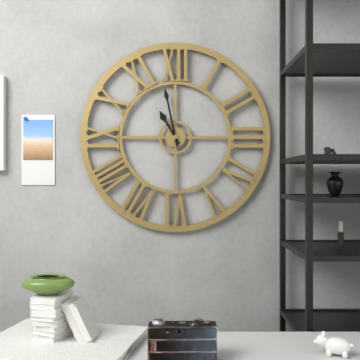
10:58
